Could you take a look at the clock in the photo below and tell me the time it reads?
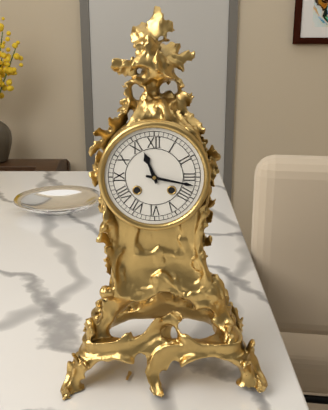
11:17
